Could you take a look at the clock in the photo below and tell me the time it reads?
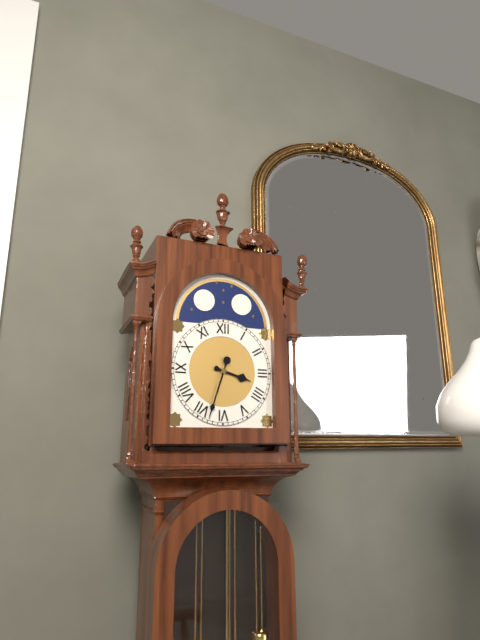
3:33
